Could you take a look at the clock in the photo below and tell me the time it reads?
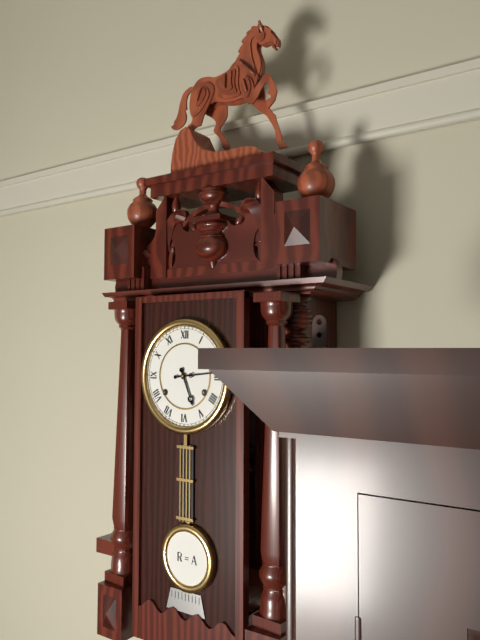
5:14
